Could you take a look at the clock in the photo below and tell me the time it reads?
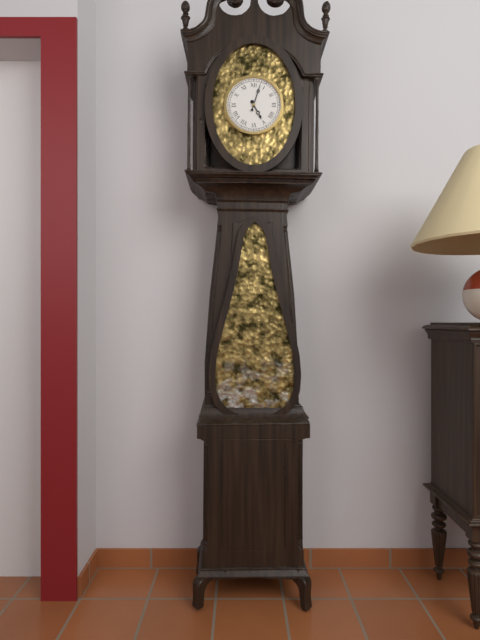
5:03
